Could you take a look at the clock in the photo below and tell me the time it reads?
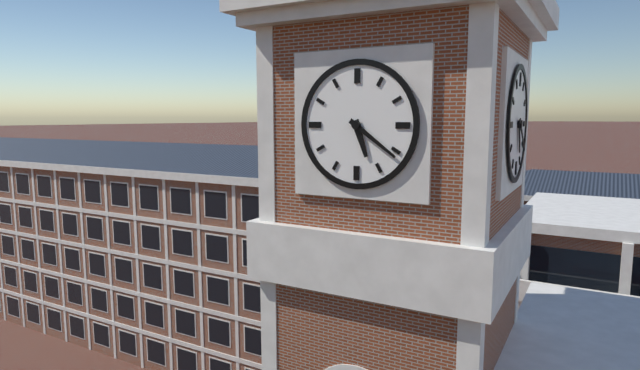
5:21
